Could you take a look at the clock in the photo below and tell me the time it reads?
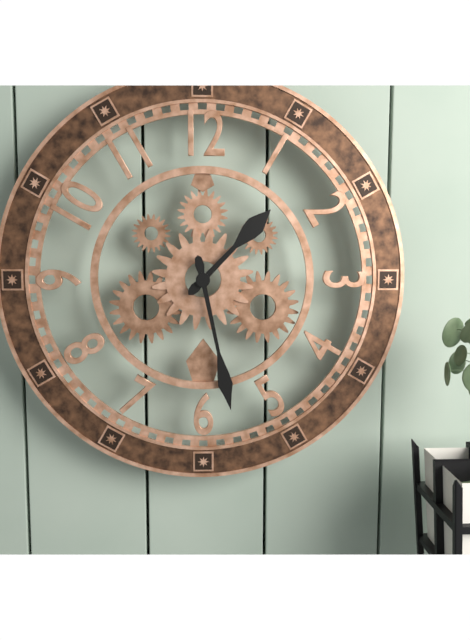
1:28
